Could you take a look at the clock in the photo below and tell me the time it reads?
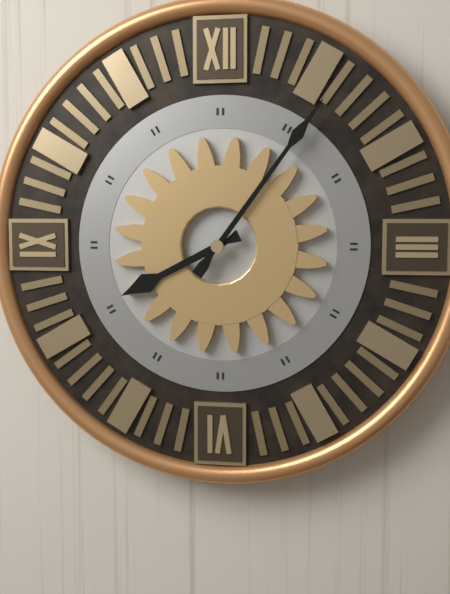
8:06
